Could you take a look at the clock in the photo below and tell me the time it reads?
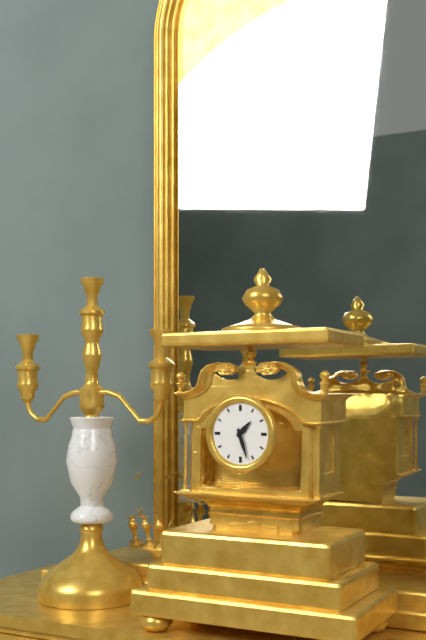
1:27
